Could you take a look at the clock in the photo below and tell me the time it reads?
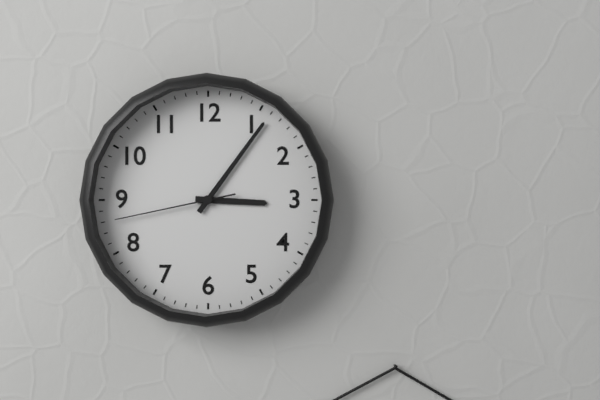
3:06:43
